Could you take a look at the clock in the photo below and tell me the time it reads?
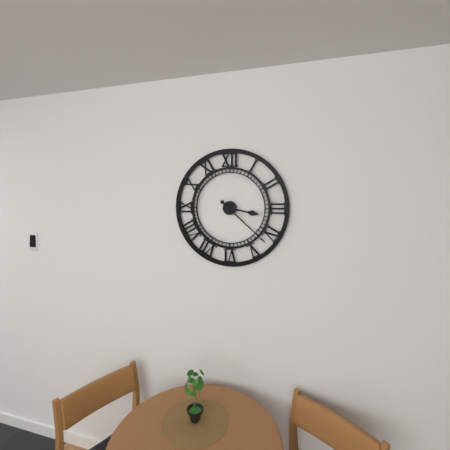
3:22
